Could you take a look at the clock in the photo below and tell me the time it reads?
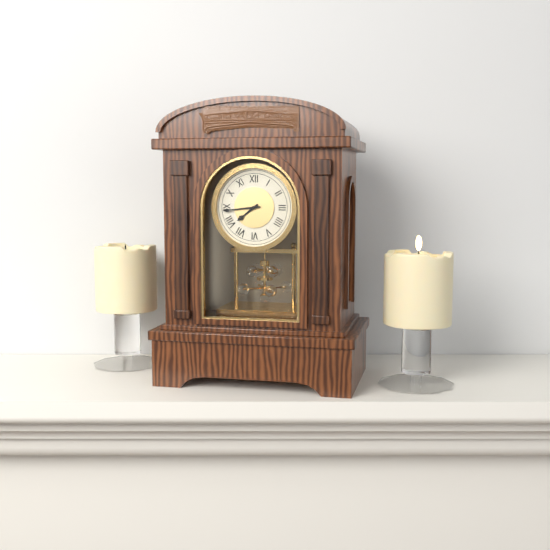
7:44
